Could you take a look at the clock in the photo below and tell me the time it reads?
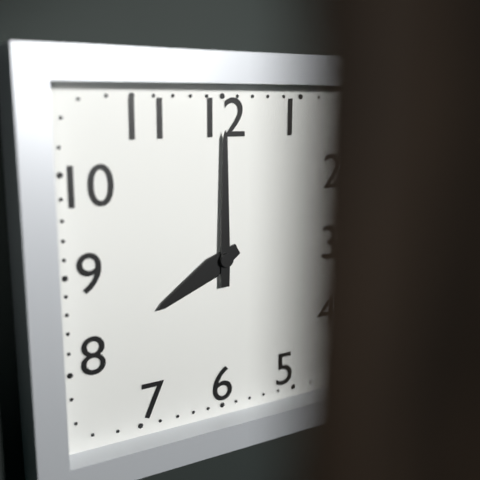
8:00
